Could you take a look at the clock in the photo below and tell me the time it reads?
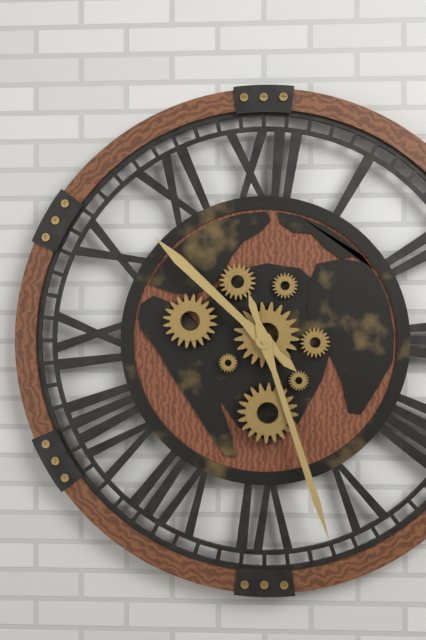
10:27
